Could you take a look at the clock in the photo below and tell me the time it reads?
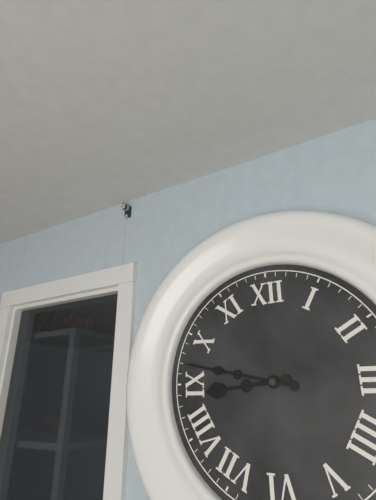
8:47
